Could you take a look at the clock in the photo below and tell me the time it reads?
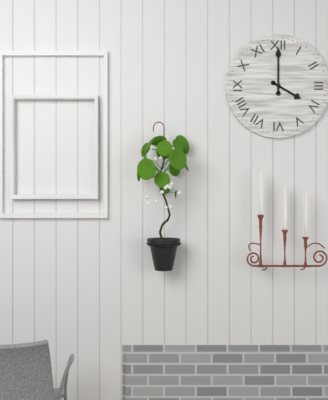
4:00
